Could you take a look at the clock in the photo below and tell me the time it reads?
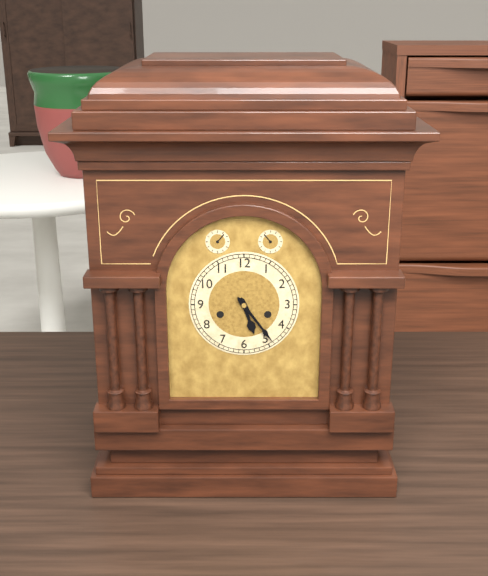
5:24
